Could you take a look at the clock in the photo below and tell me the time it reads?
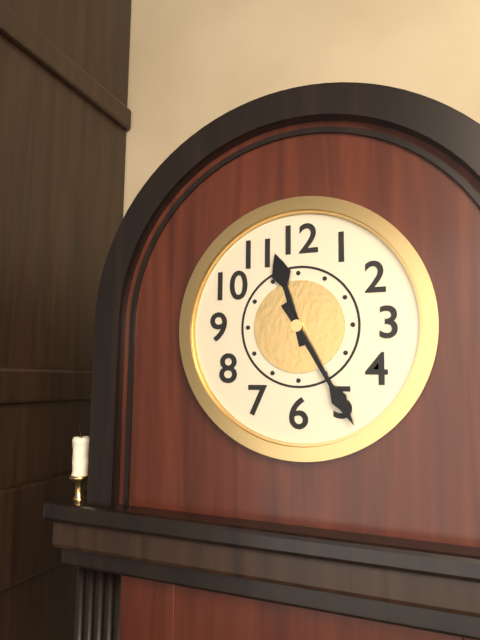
11:25
